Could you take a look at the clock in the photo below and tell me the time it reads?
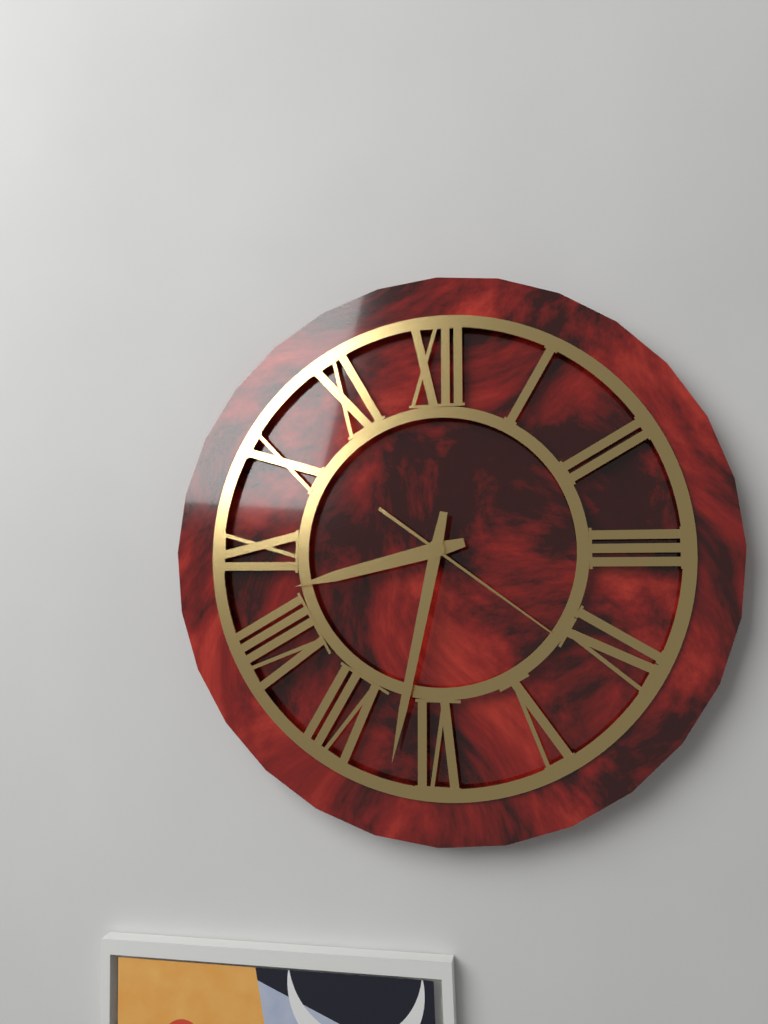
8:32:21
